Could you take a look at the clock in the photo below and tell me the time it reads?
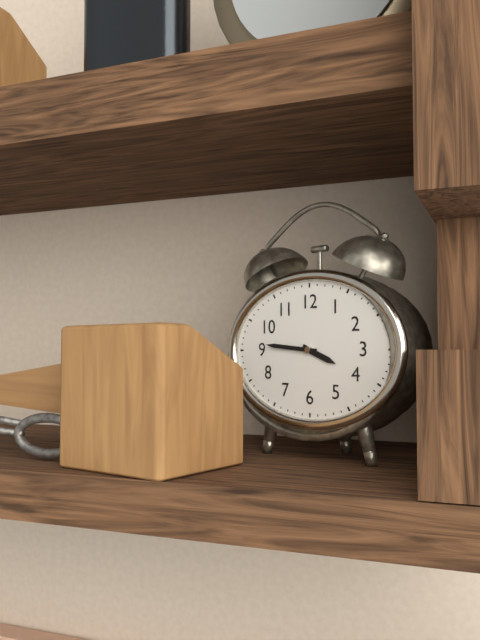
3:46
